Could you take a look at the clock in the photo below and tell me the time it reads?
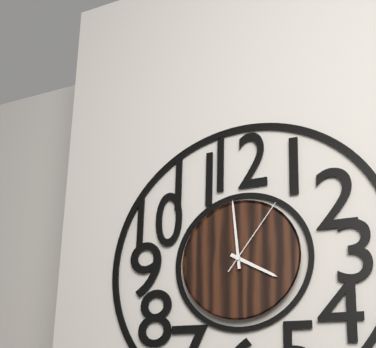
3:59:06
